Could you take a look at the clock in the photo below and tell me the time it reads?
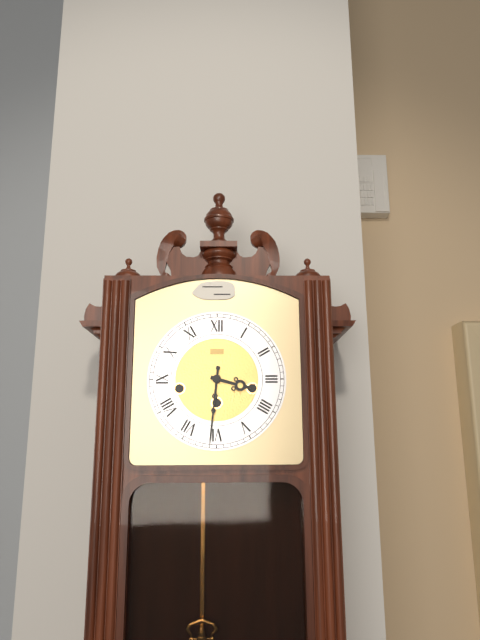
3:31
